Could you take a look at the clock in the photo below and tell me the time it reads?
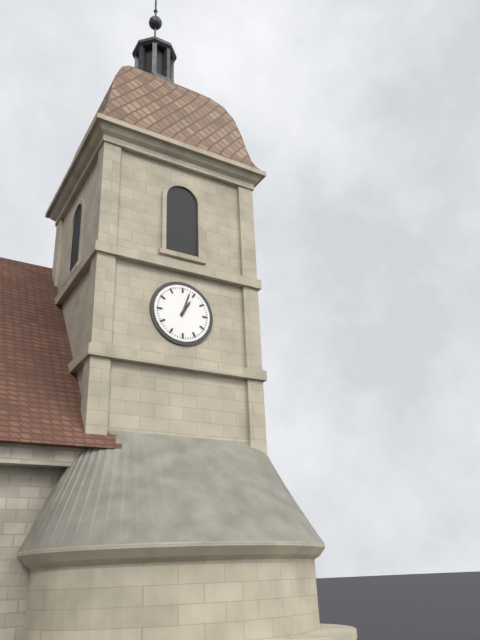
1:03
